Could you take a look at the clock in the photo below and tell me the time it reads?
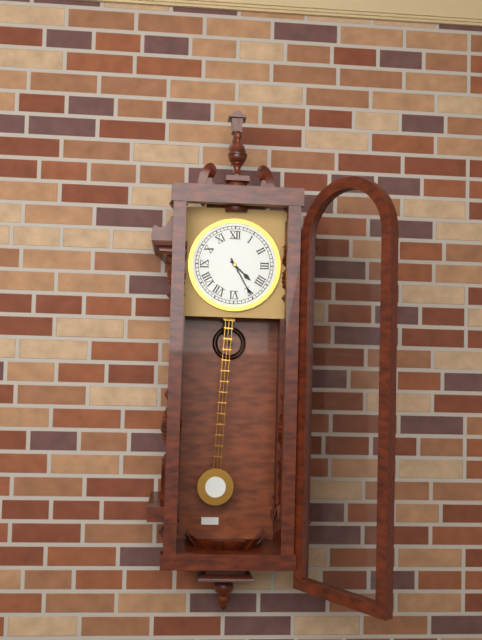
4:25
